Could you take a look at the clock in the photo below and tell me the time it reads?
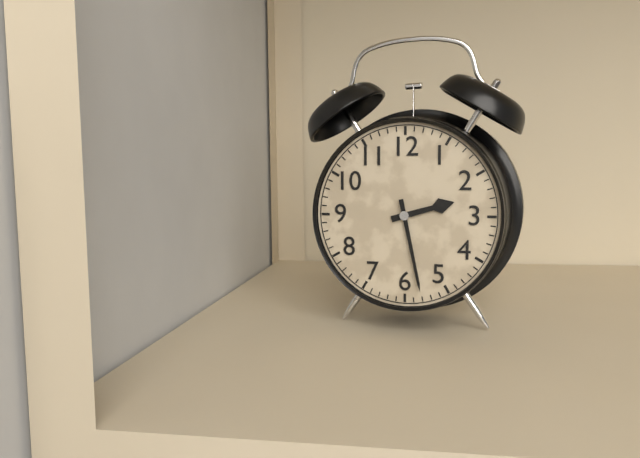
2:28
